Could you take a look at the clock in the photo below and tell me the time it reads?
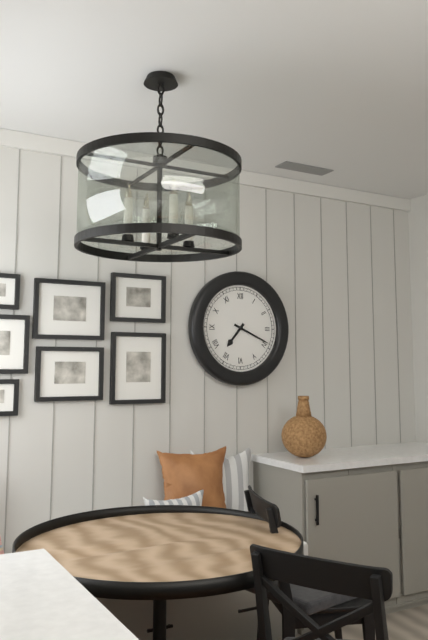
7:19
